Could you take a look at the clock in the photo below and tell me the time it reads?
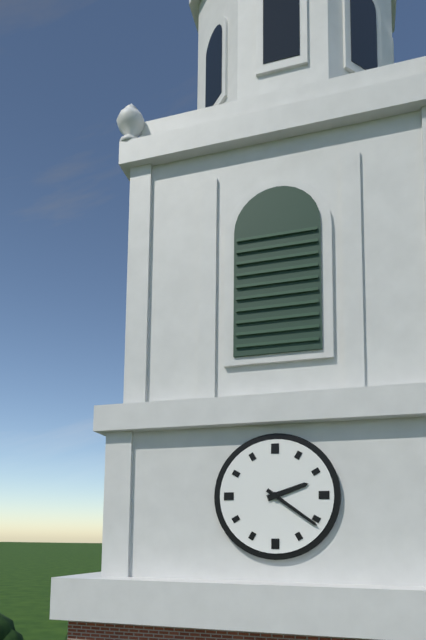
2:21
